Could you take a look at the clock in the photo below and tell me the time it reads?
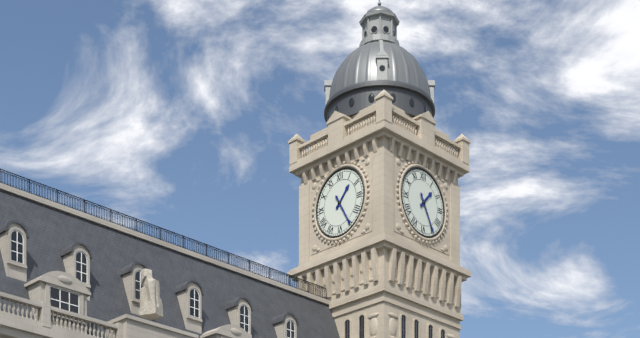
1:25
